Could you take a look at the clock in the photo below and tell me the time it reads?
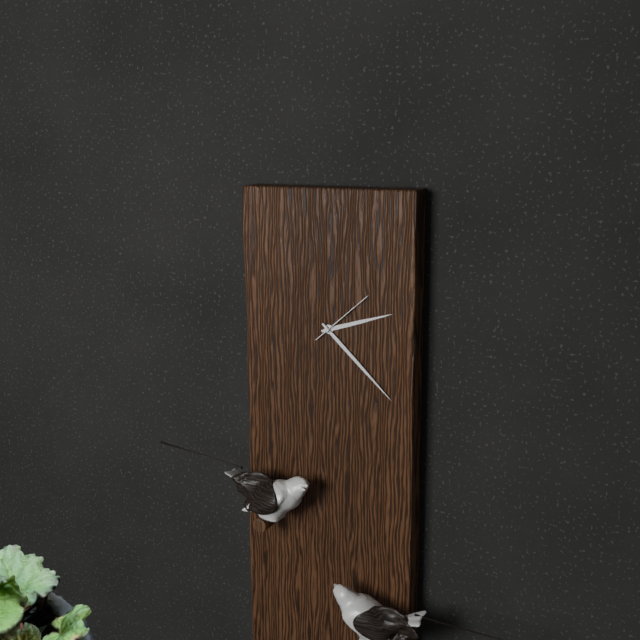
2:22:08
